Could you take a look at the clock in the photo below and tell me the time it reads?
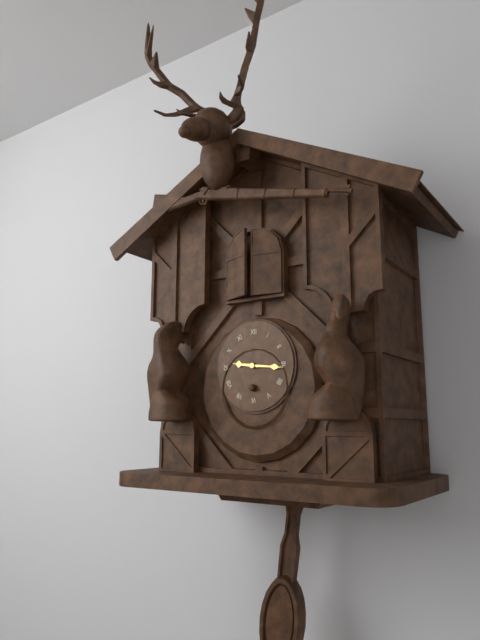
9:16
